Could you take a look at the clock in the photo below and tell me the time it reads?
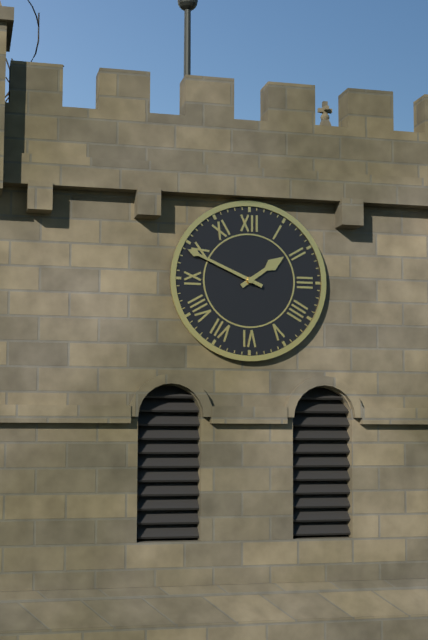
1:49
